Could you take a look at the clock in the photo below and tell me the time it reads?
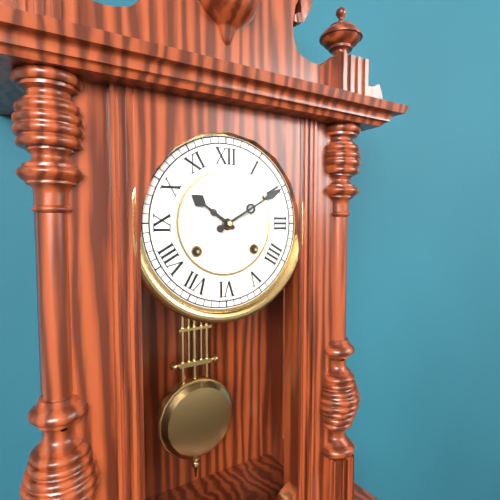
10:10
